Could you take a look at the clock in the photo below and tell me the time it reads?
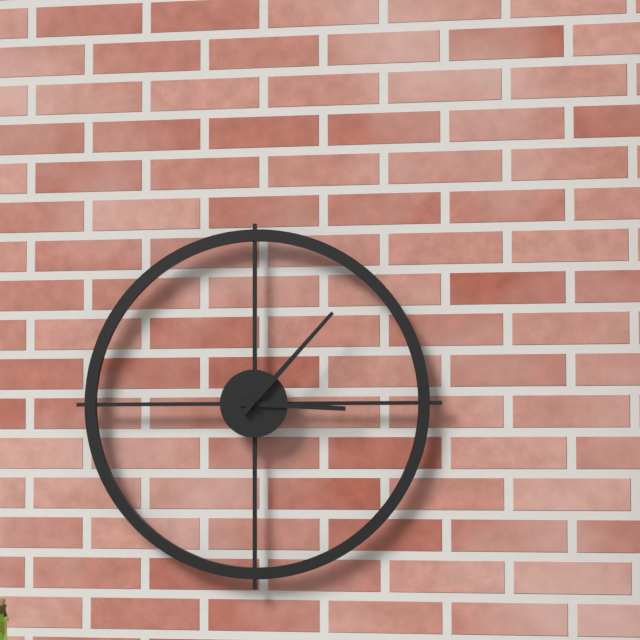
3:07
